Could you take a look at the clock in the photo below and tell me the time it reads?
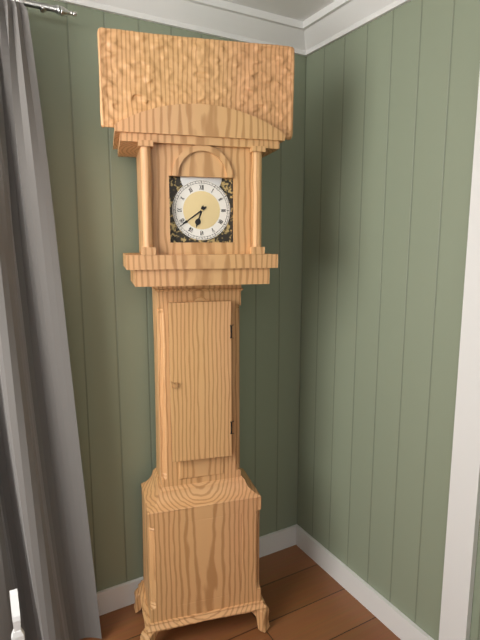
6:39
